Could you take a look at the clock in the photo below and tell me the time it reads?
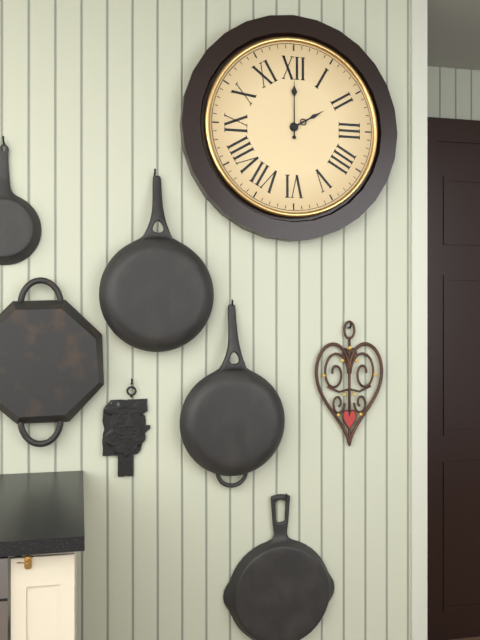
2:00
